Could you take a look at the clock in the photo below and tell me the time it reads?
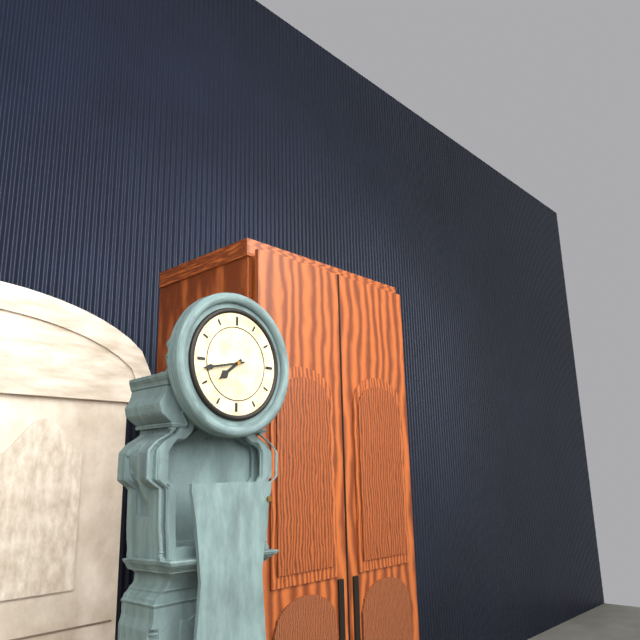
7:43
